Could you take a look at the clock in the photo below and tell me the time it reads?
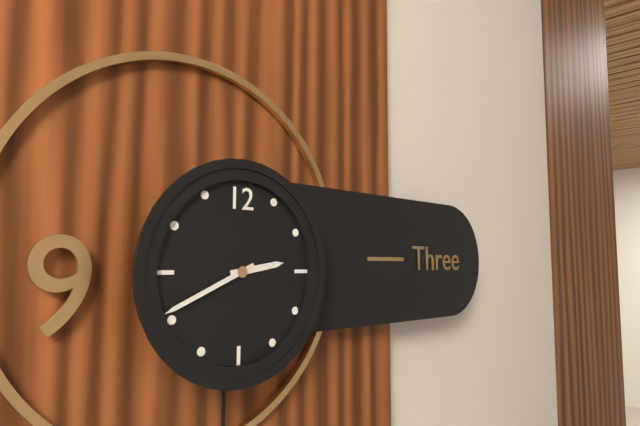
2:41
